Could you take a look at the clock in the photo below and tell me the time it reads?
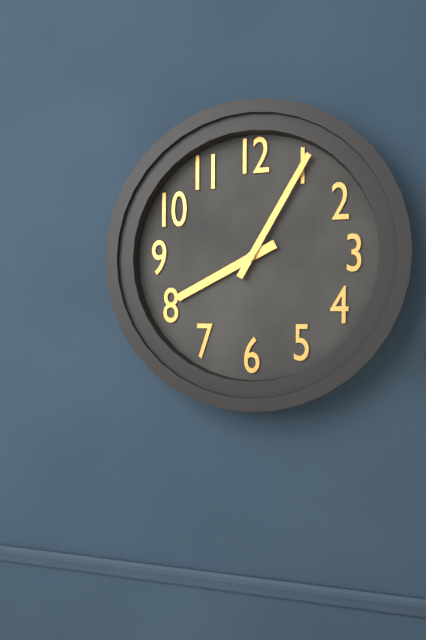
8:05
